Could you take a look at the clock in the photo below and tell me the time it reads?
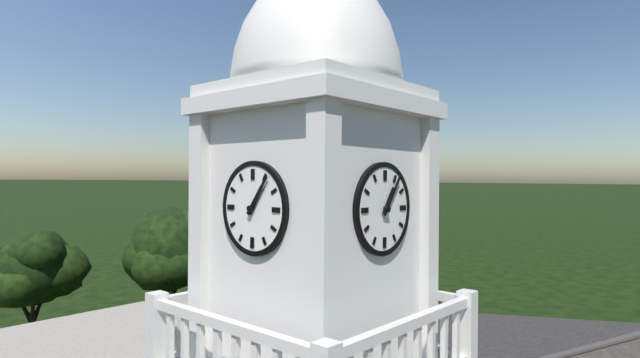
1:06
